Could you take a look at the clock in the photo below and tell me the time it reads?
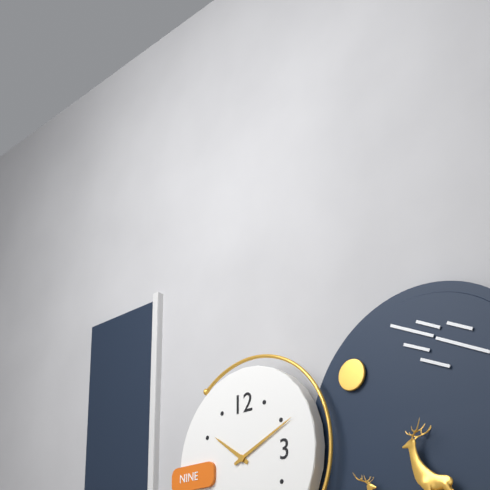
10:11
